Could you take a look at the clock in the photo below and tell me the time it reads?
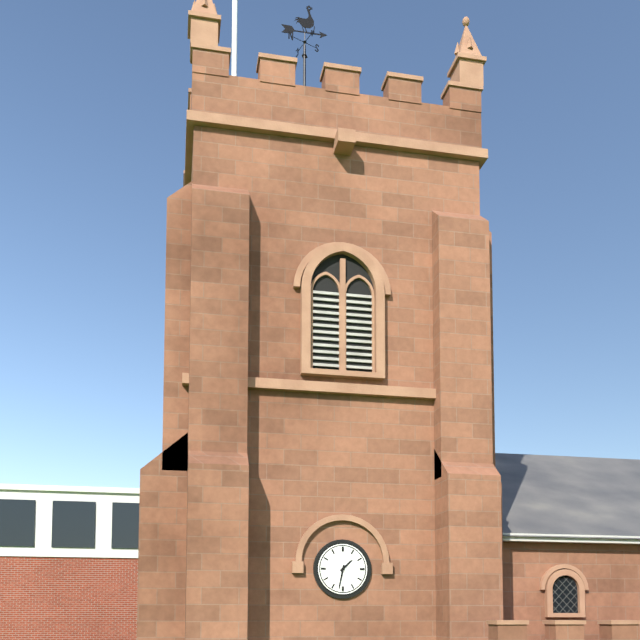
1:32
